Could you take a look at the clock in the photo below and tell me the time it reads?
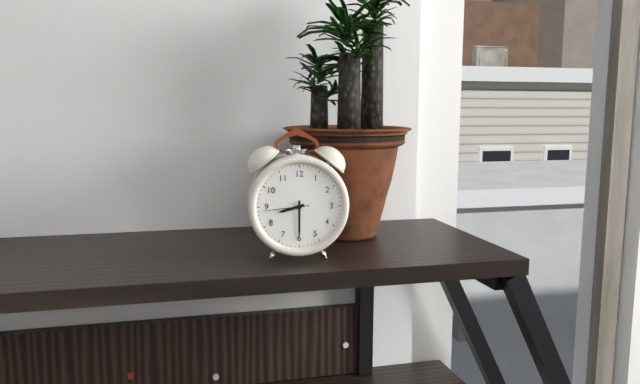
8:30
